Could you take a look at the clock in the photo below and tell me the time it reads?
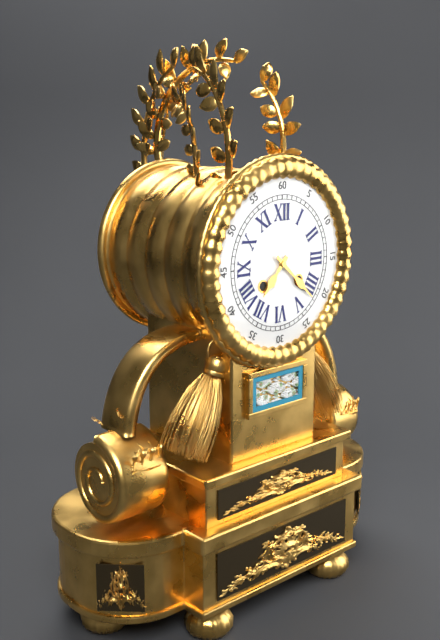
7:22
